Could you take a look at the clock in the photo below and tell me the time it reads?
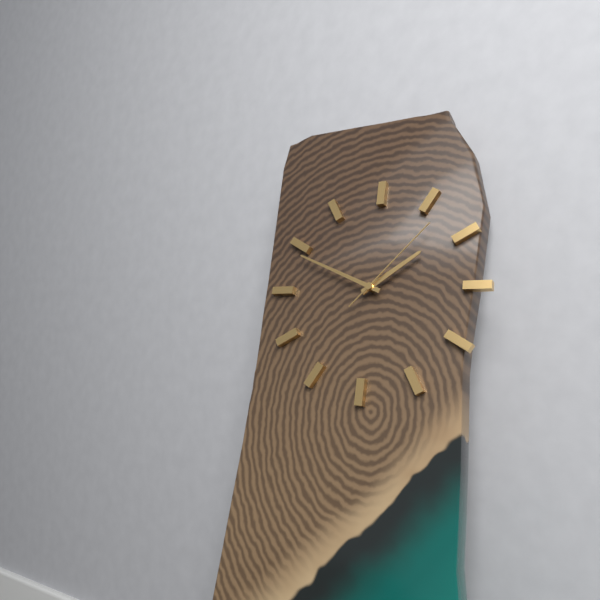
1:49:07
